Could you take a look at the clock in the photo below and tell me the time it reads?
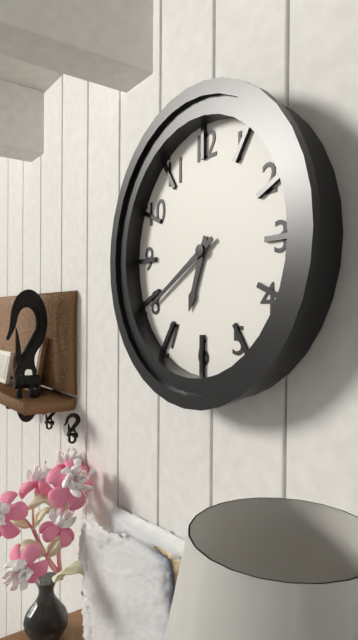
6:40
